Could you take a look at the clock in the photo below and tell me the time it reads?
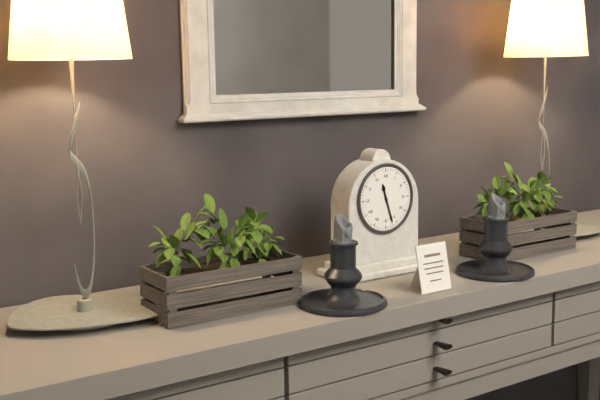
11:27
